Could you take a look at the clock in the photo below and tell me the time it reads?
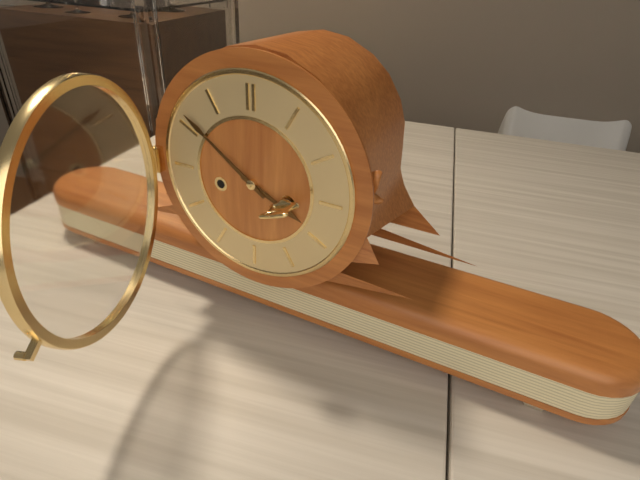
3:51
